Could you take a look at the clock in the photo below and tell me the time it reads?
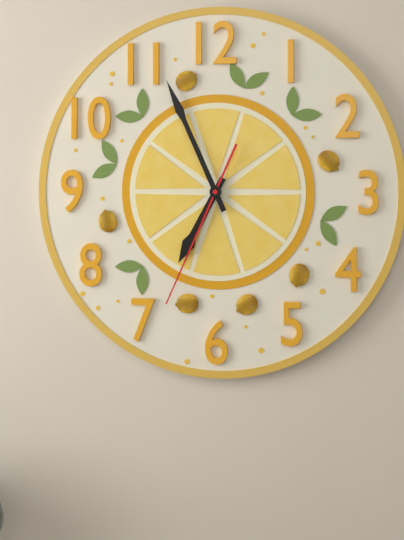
6:56:34
